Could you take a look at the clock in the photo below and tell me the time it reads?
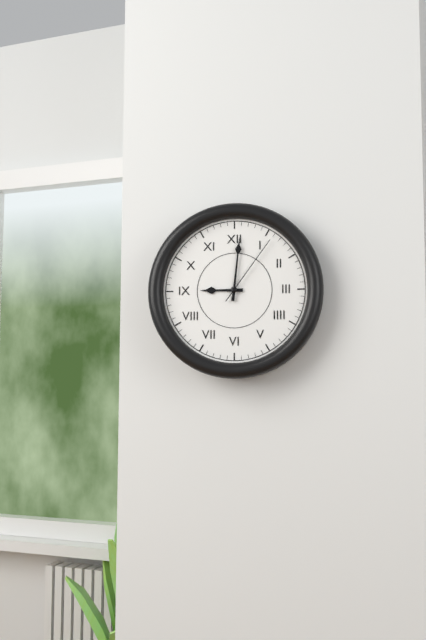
9:01:06
